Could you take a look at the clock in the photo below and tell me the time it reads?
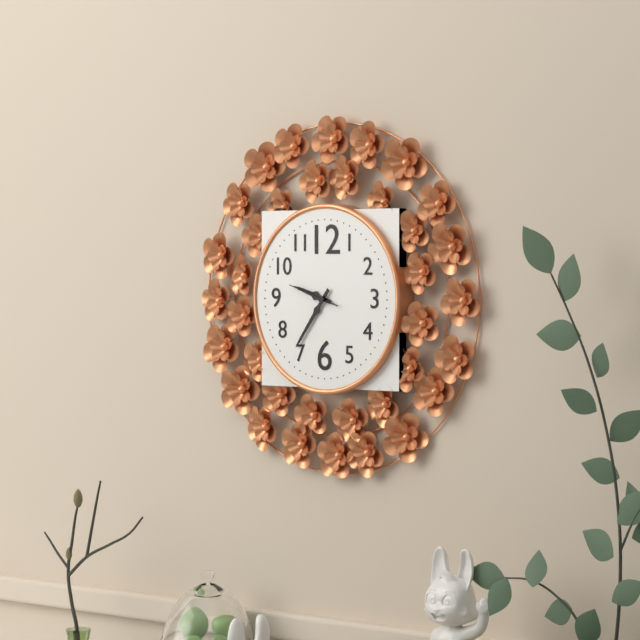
9:36
